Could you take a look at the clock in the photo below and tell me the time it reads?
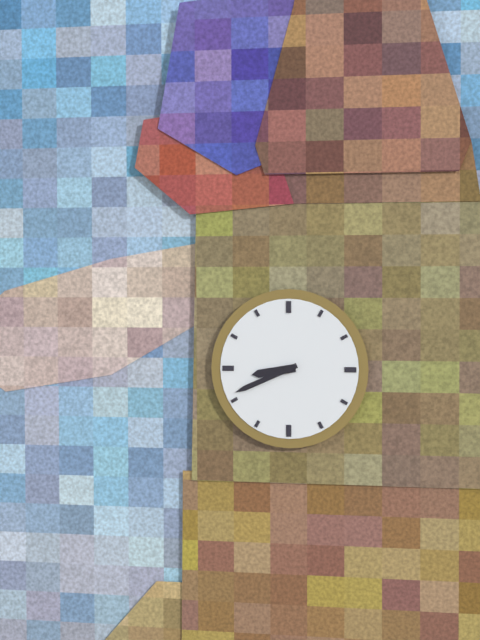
8:41
